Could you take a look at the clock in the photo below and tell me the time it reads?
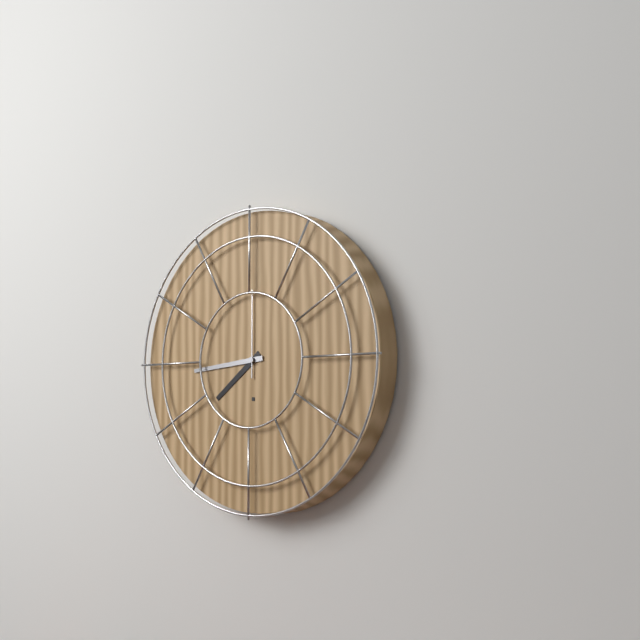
7:44:00
